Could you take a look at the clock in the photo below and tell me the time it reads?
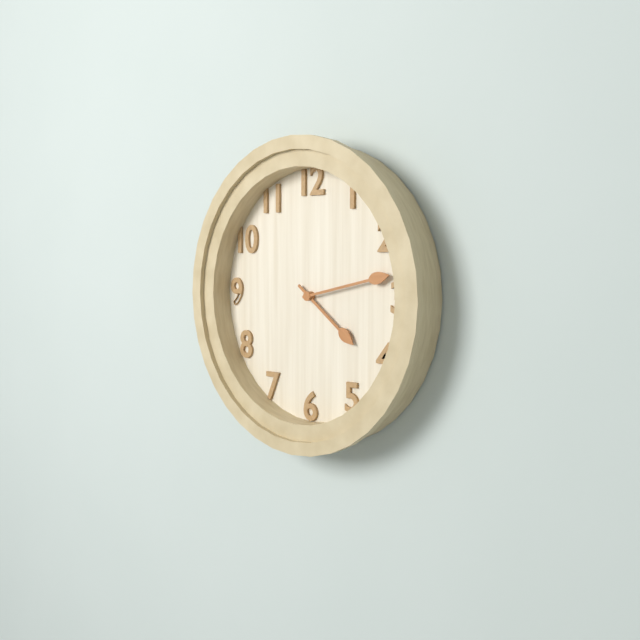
4:13
